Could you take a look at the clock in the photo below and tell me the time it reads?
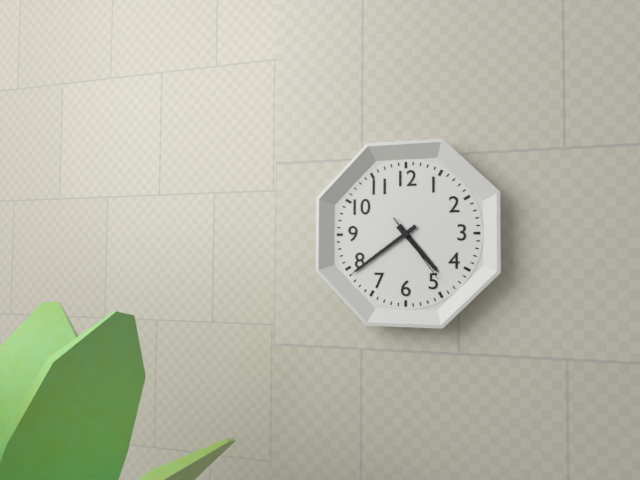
4:39:24
